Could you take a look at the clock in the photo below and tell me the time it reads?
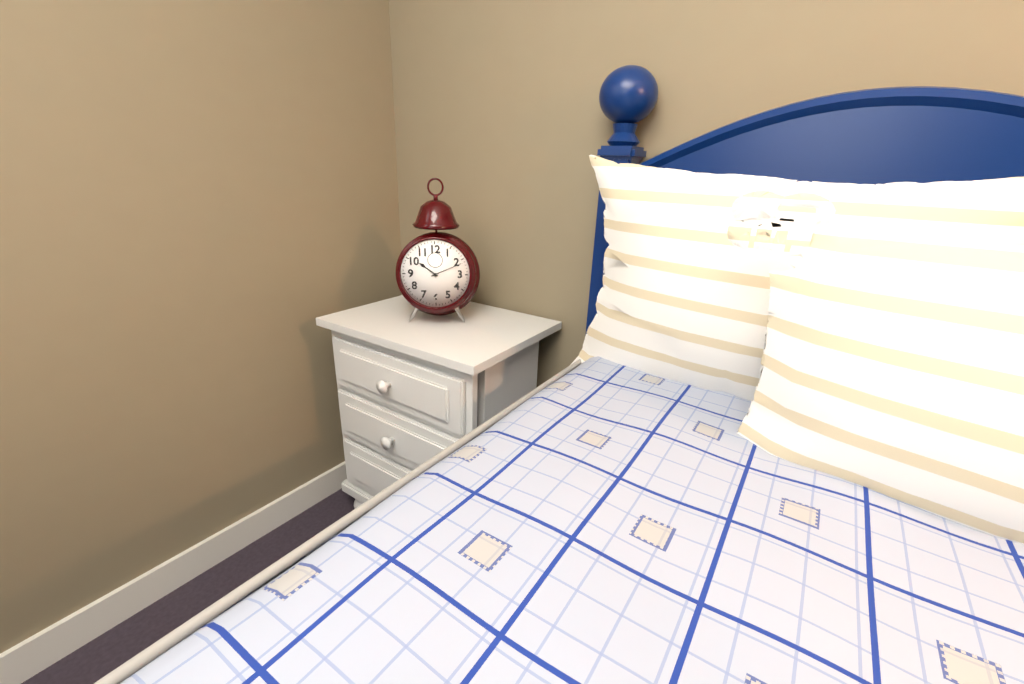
10:11
